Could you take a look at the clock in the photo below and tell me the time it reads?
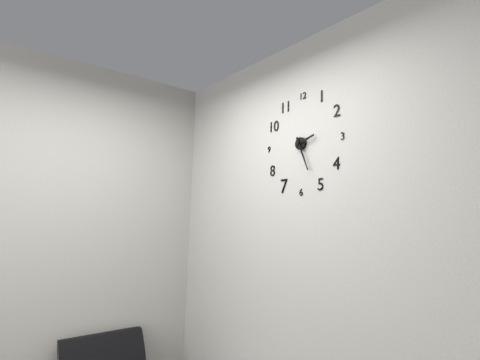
2:26
